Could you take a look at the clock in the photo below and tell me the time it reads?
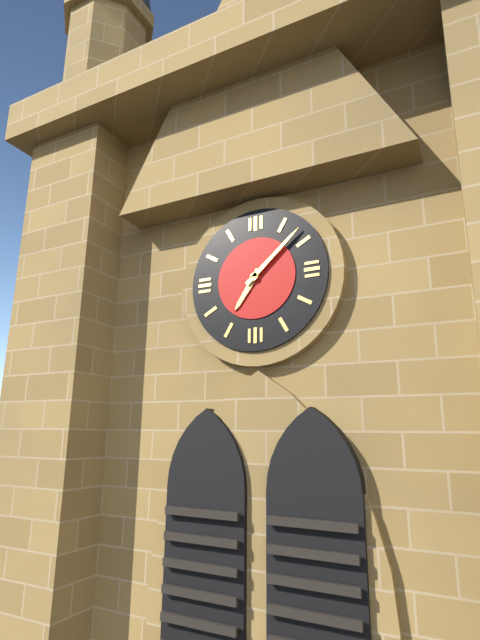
7:08
